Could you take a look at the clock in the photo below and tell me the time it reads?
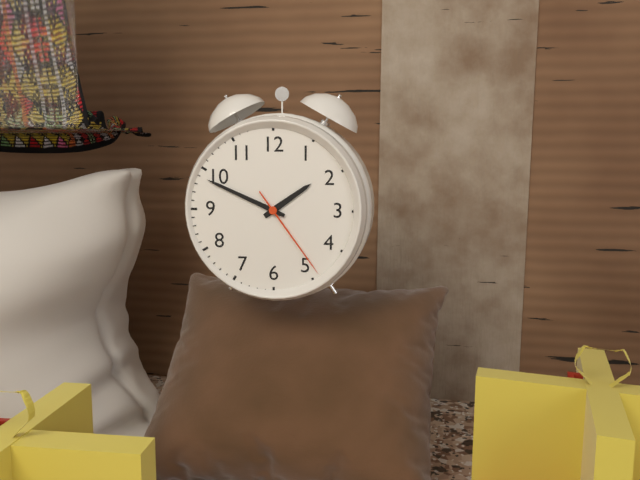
1:49:24
